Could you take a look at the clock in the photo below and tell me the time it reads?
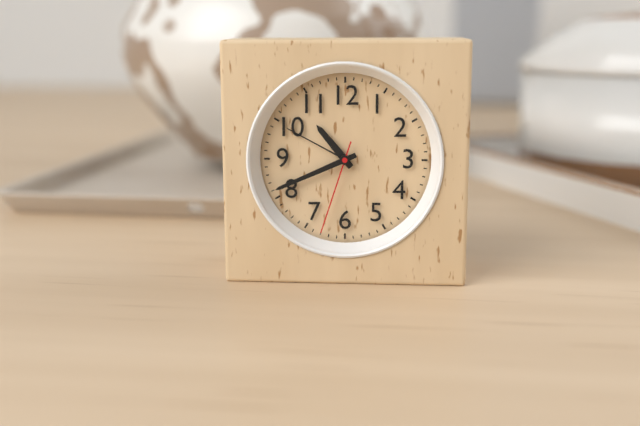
10:41:33
